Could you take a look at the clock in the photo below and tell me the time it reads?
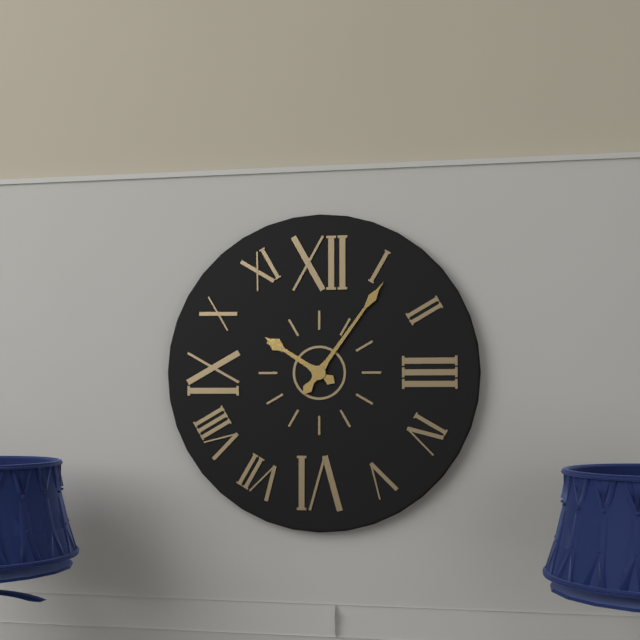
10:06
